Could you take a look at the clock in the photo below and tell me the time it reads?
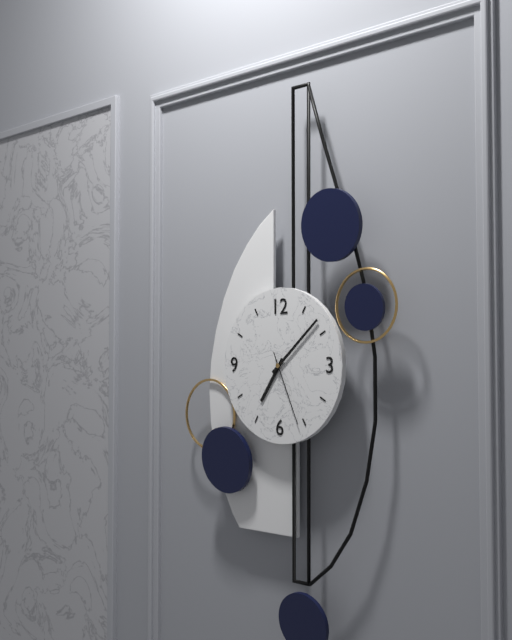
7:08:26
